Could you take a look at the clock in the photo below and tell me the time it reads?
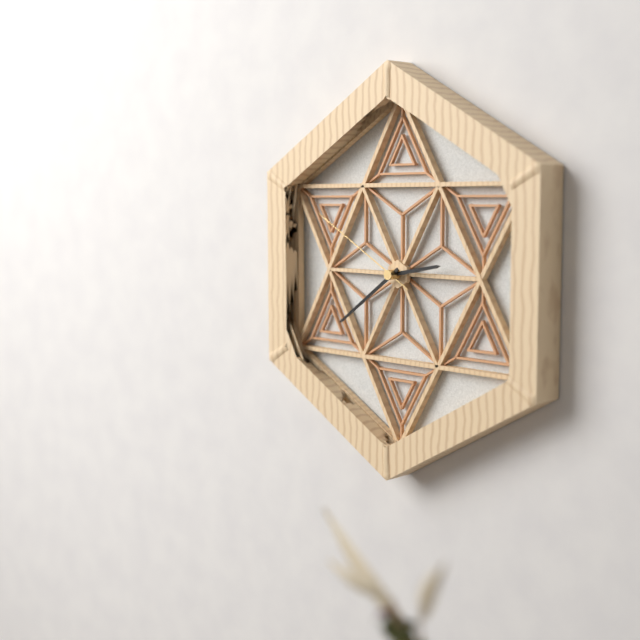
2:39:50
